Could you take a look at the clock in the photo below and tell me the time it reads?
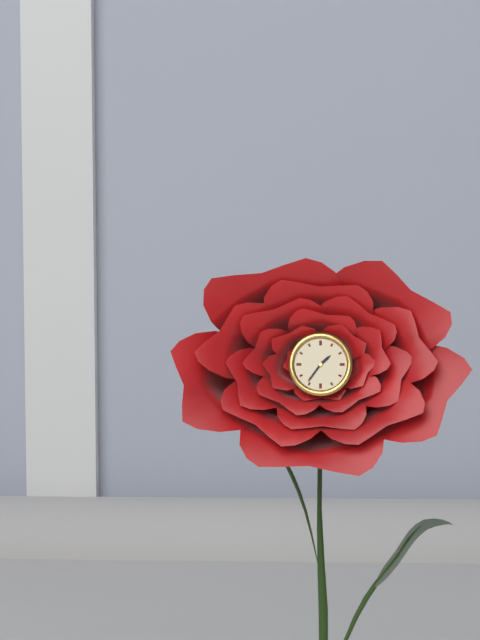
1:36
